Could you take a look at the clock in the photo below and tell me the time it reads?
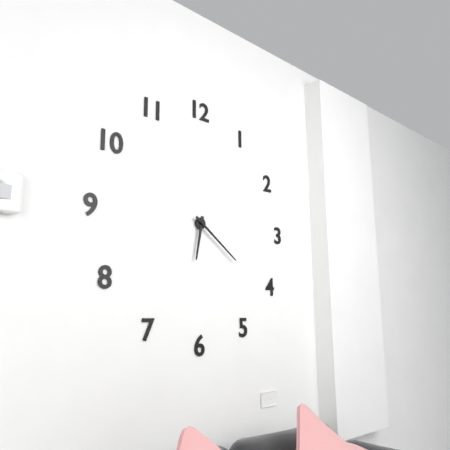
6:21
